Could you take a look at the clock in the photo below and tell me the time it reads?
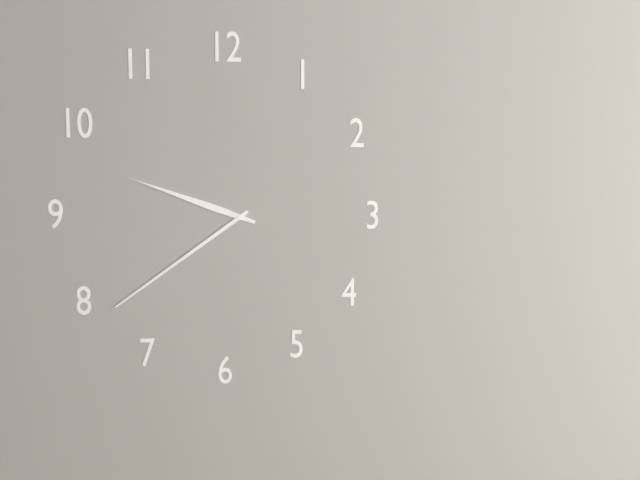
9:39
